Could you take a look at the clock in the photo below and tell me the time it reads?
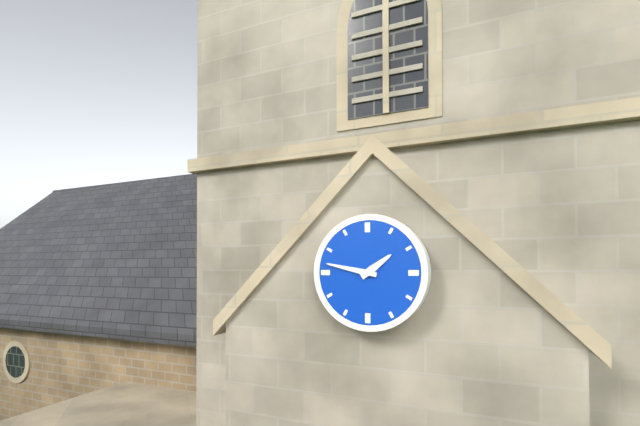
1:47
